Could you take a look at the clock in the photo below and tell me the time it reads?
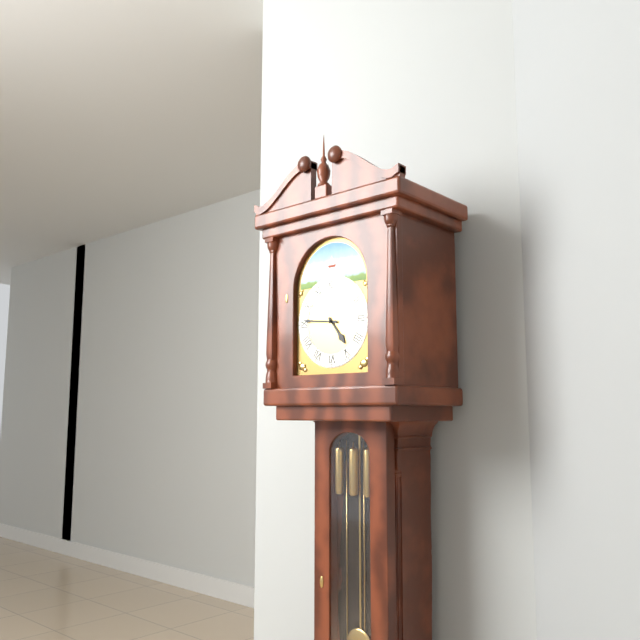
4:46
